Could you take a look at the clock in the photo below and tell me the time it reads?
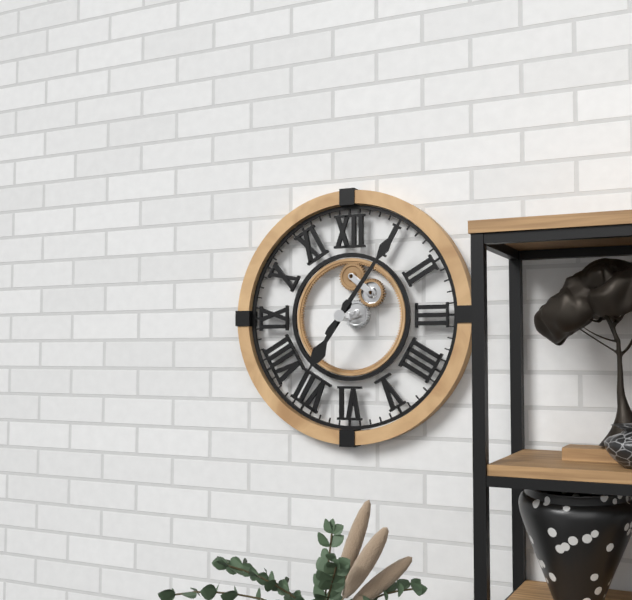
7:06
